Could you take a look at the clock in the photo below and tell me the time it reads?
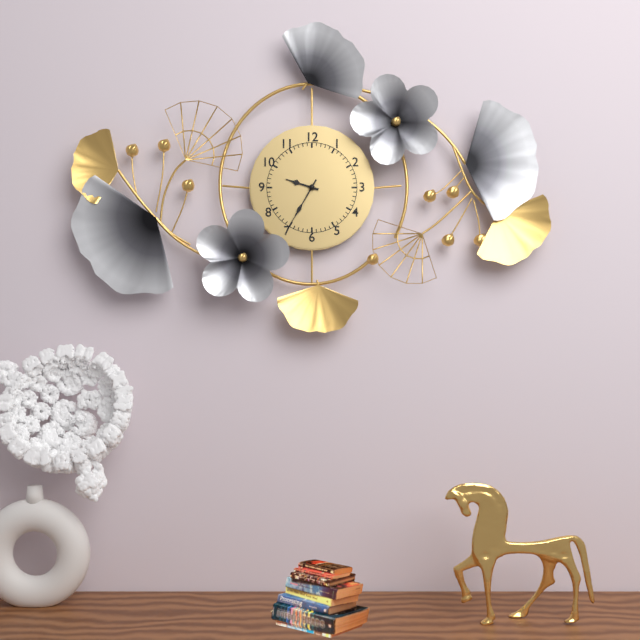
9:35
